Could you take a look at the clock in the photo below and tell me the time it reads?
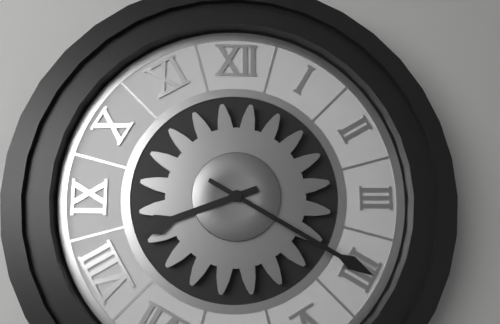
8:20
